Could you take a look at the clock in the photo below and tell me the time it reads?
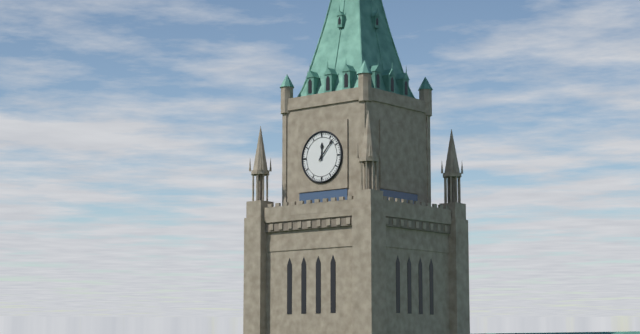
12:07
